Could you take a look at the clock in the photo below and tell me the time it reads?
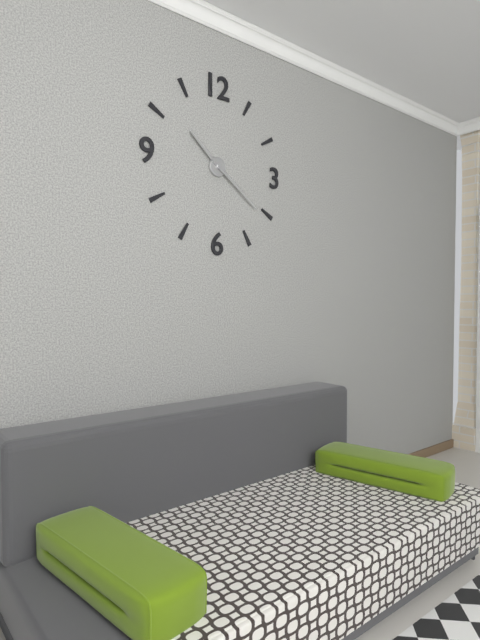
10:21
